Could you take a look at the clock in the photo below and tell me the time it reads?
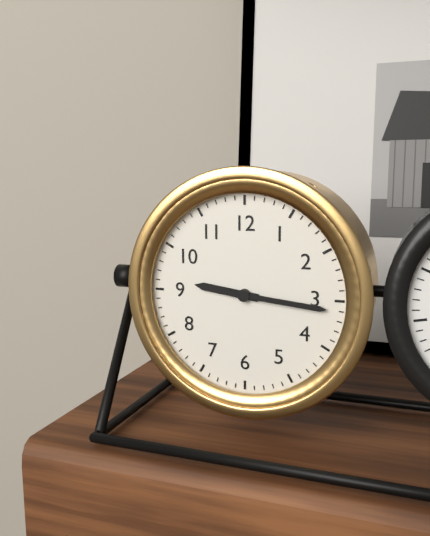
9:16
